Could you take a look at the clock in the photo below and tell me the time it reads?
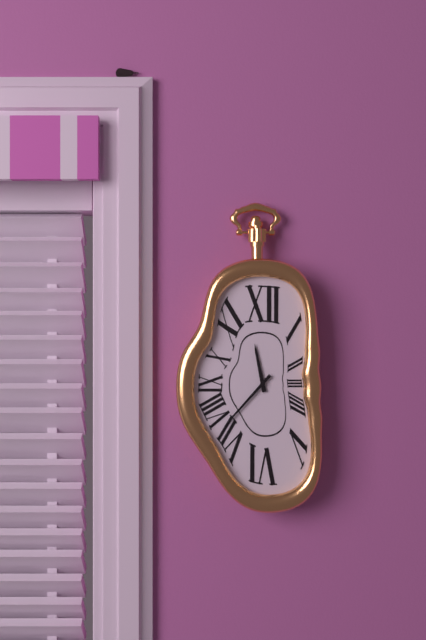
11:37
